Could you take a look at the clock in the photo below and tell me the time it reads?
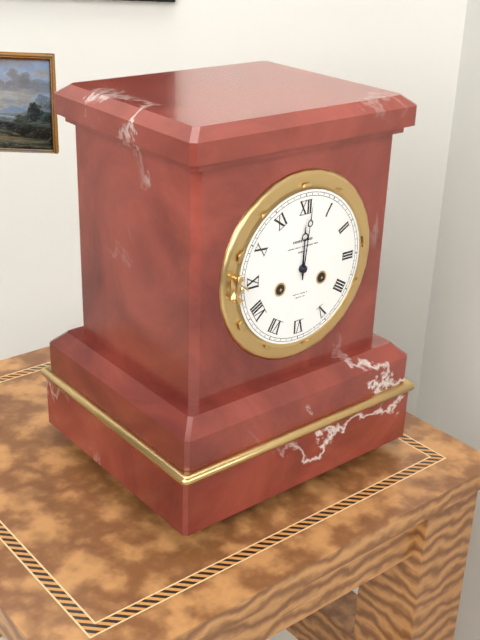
12:01
